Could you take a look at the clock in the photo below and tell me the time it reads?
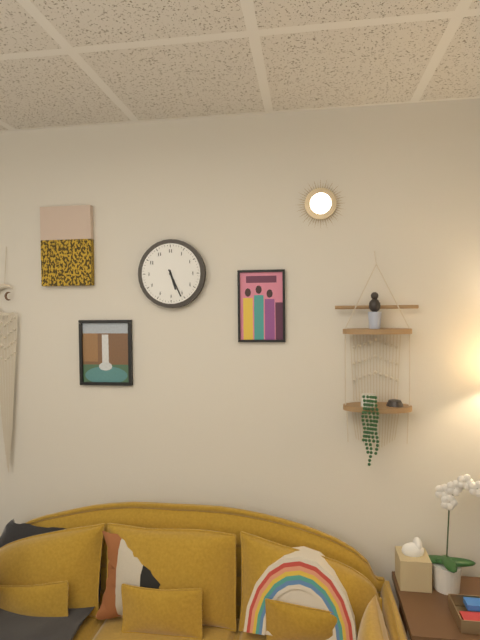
5:26
